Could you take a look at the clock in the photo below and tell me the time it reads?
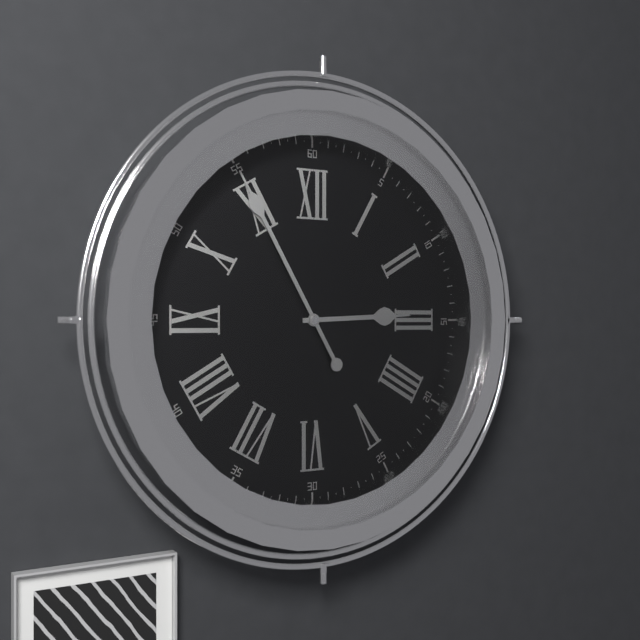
2:55
